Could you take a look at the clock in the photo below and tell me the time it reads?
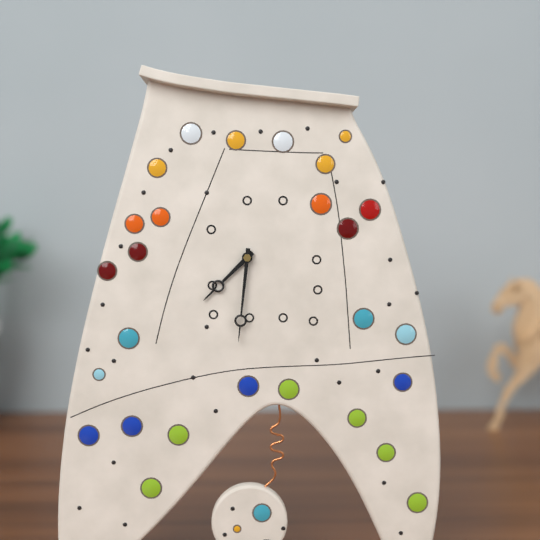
7:31
